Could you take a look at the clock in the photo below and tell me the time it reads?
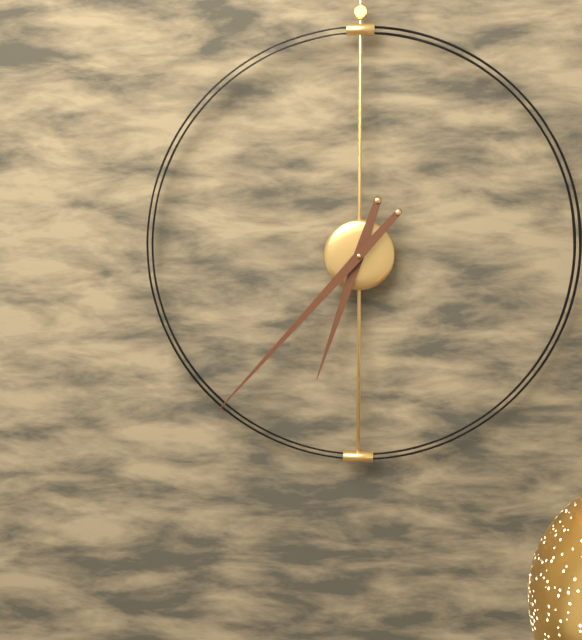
6:37
